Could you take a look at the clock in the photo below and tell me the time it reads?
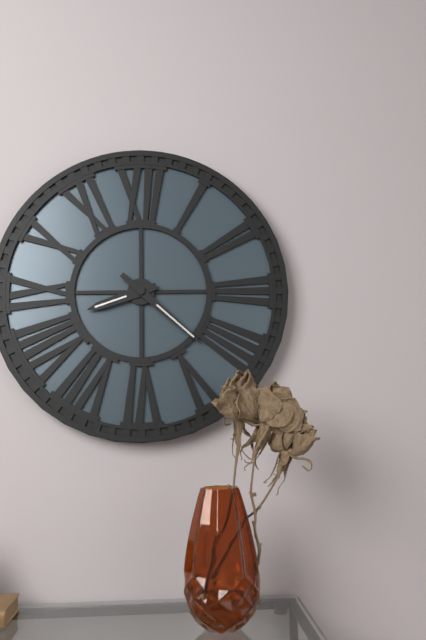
8:22
